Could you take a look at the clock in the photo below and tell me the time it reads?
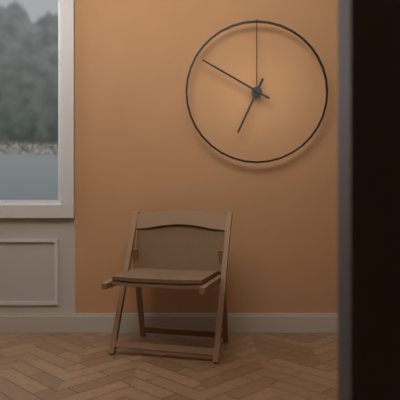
6:50
